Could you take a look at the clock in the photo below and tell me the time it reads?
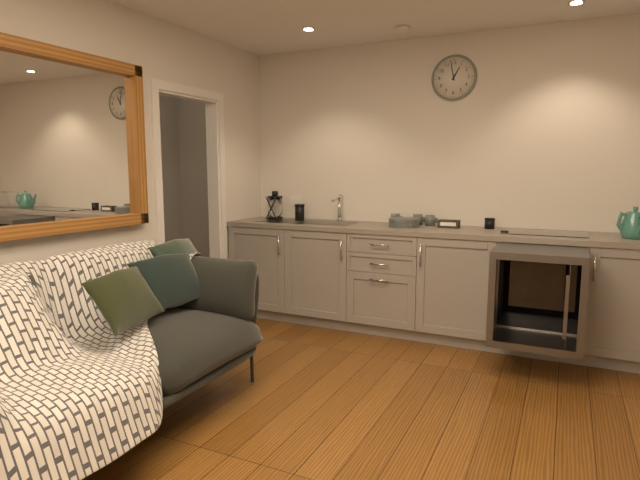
12:58
